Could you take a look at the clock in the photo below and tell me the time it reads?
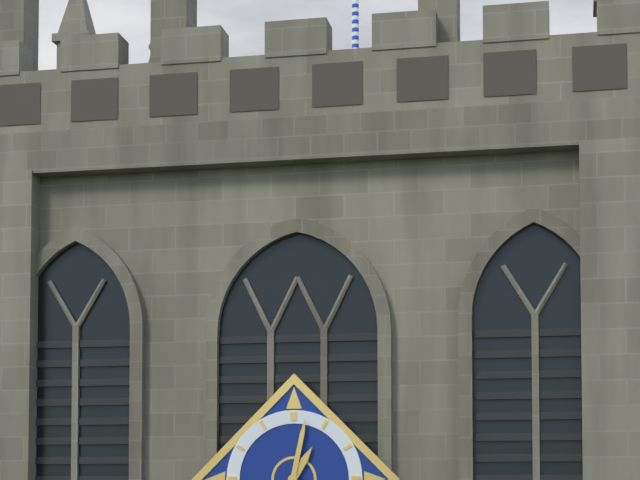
1:02
